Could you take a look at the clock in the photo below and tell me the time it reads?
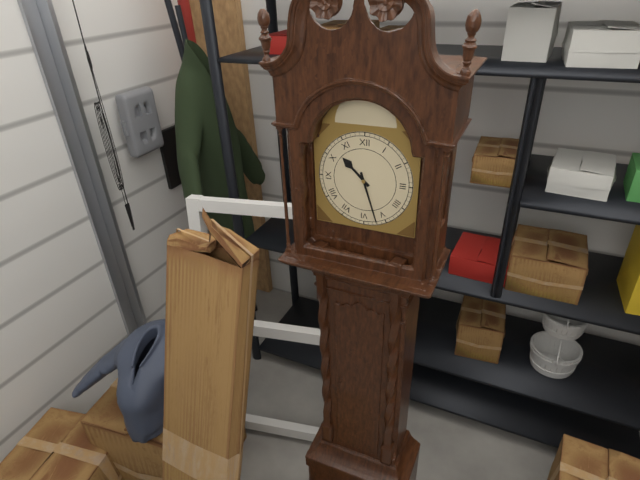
10:27
